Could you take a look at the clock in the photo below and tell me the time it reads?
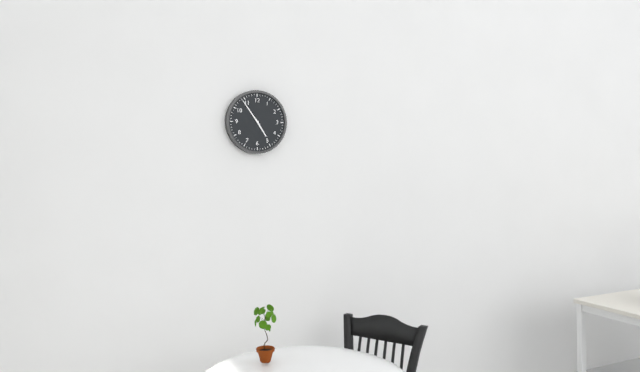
4:54
